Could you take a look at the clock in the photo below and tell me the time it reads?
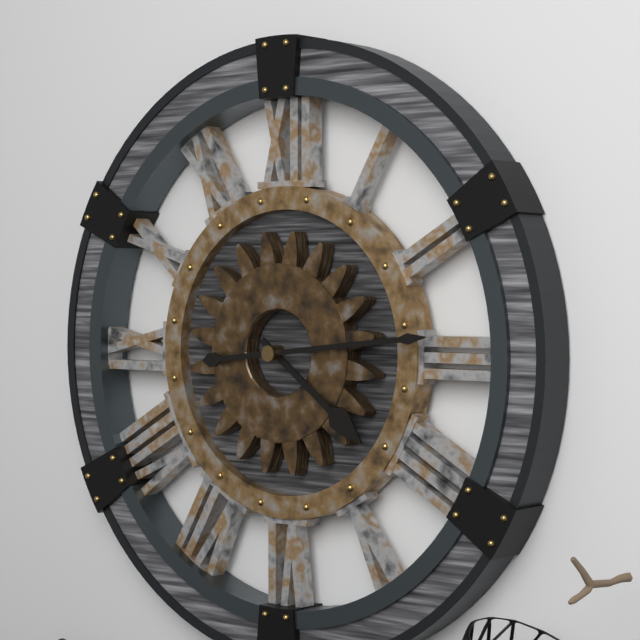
4:14
